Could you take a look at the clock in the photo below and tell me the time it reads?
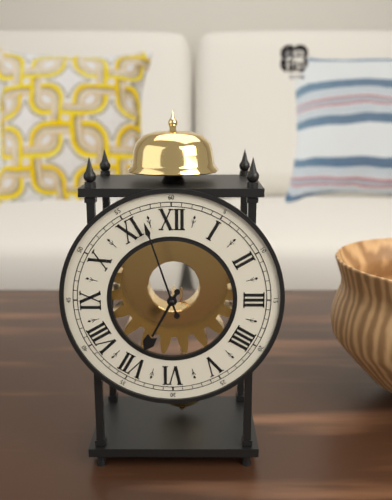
6:57
